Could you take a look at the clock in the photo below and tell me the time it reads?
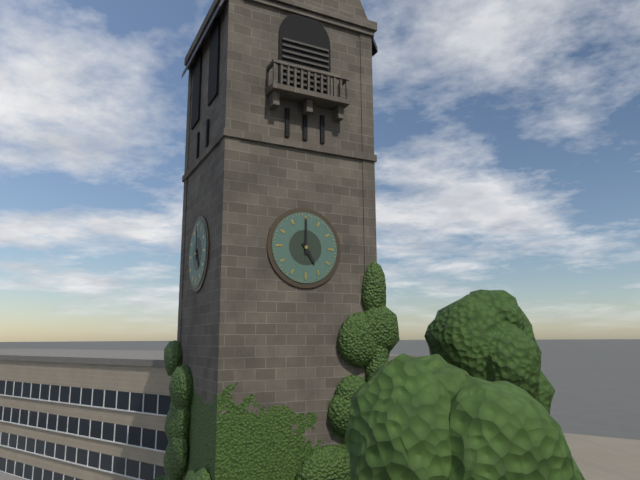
5:00
